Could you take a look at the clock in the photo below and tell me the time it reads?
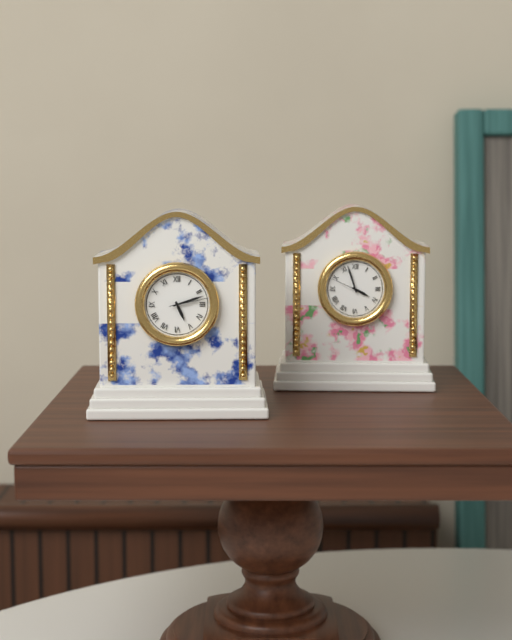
5:12
